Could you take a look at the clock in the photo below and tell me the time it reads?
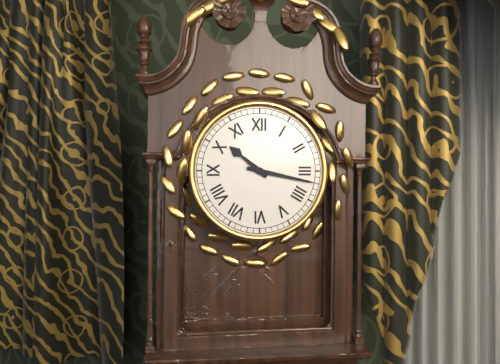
10:17
